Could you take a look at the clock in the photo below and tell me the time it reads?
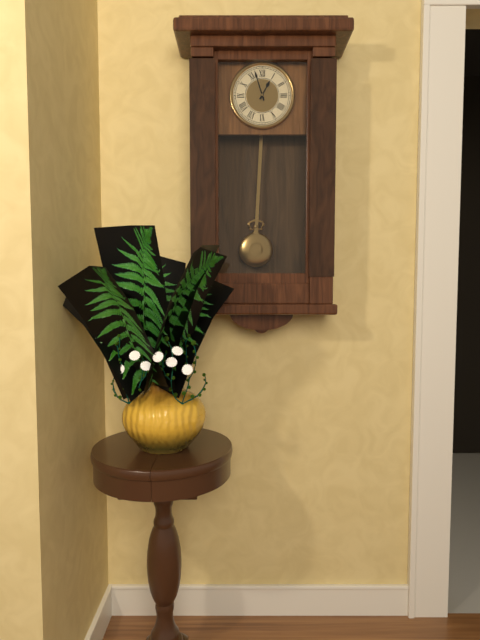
12:57
